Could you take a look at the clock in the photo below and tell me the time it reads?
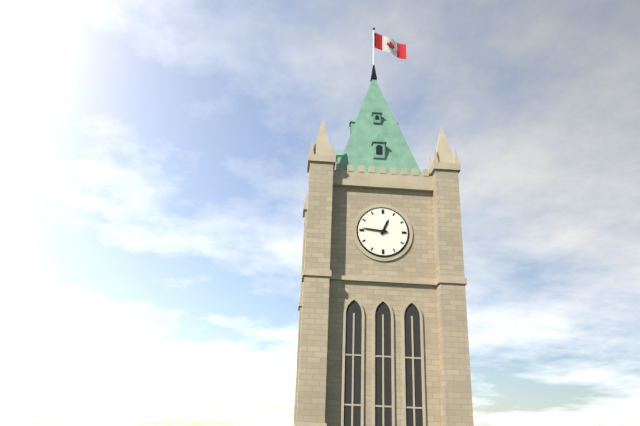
12:46
